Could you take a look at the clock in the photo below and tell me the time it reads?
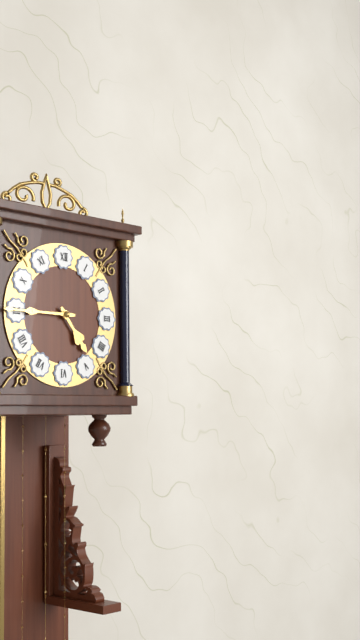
4:45
